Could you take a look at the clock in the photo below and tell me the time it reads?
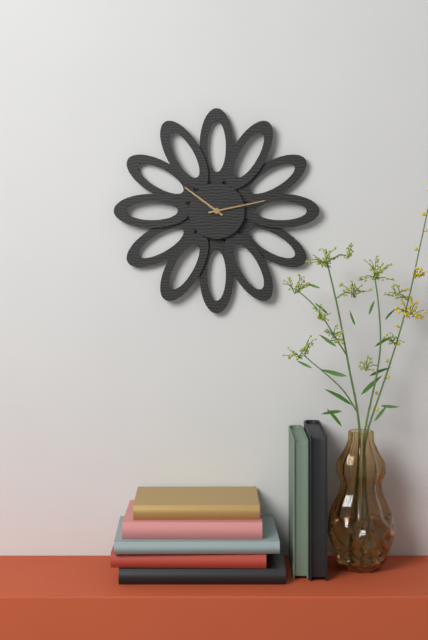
10:13
